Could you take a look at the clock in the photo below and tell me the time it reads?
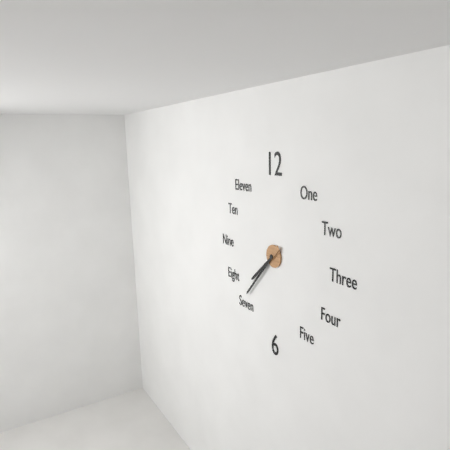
7:37
